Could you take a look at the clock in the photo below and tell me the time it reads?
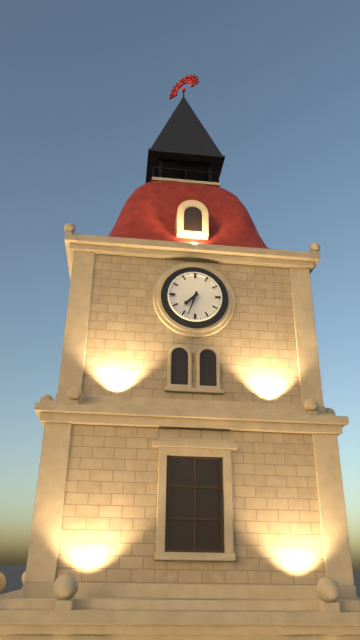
7:33
